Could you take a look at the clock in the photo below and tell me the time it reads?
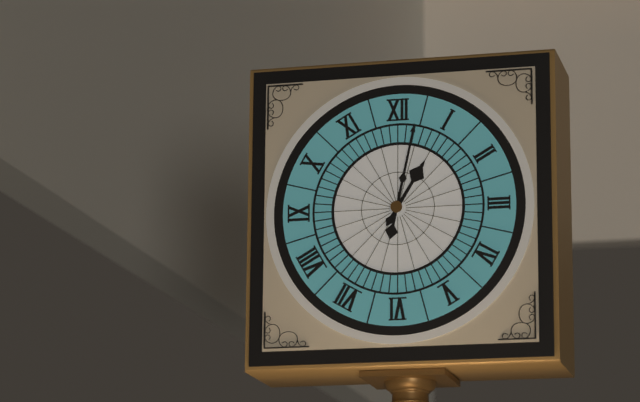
1:02
